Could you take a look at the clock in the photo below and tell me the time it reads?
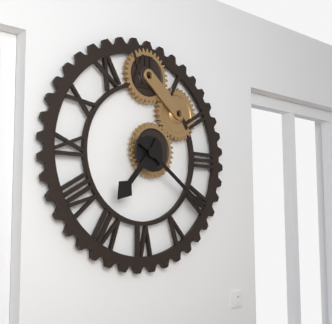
7:21
